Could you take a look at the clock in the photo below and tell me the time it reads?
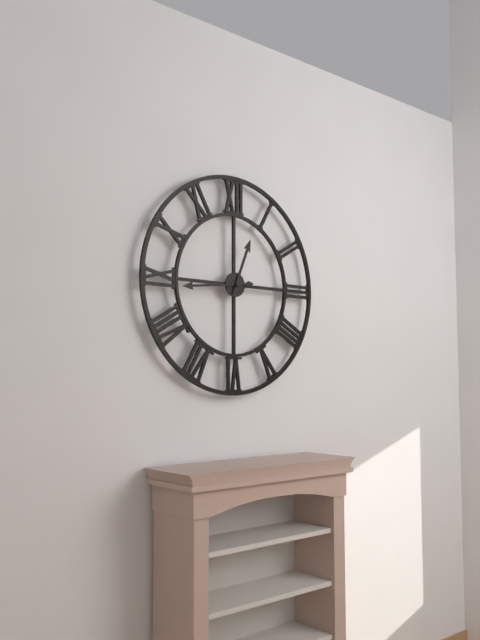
12:44
